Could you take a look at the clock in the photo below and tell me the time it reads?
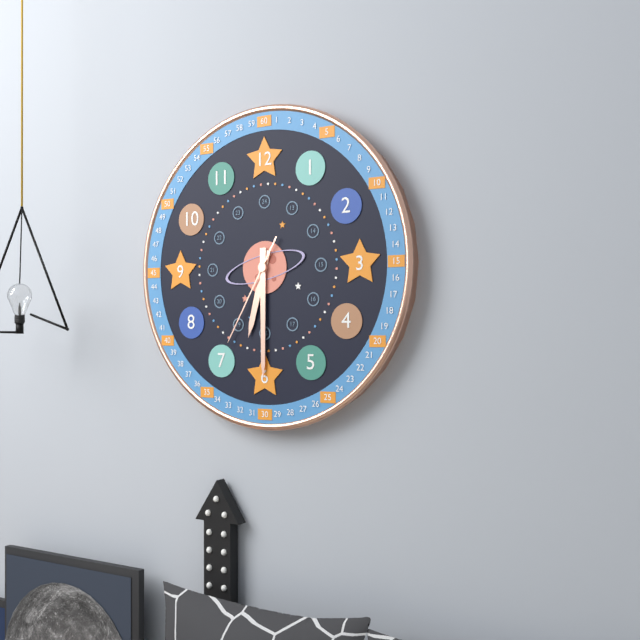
6:30:35
